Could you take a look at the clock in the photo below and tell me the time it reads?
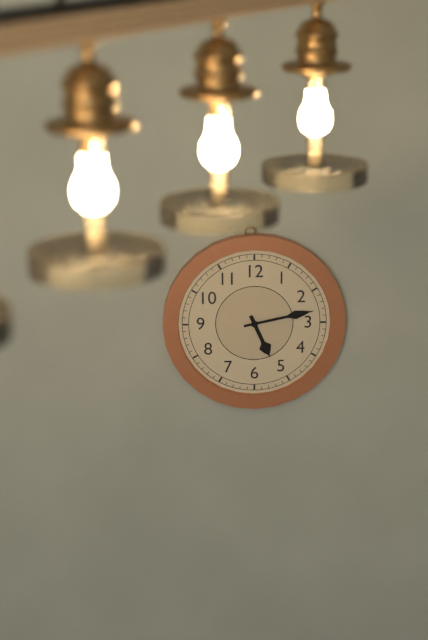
5:13
